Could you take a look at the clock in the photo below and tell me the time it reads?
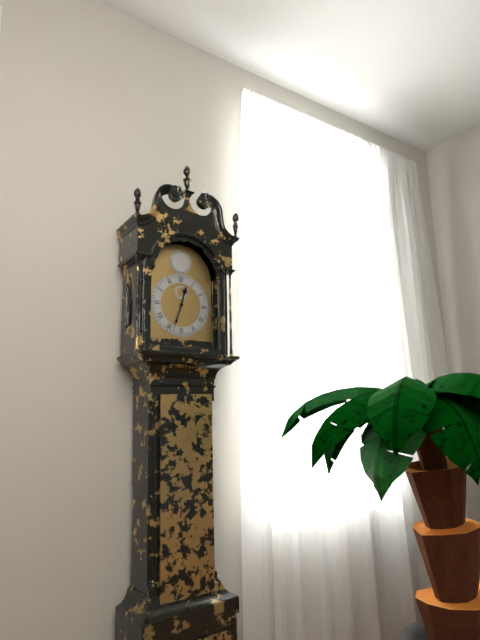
12:33
